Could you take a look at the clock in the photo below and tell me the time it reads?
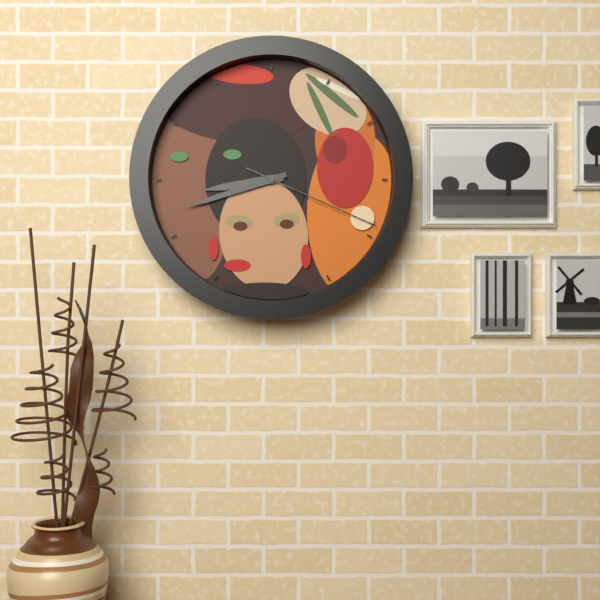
8:42:19
